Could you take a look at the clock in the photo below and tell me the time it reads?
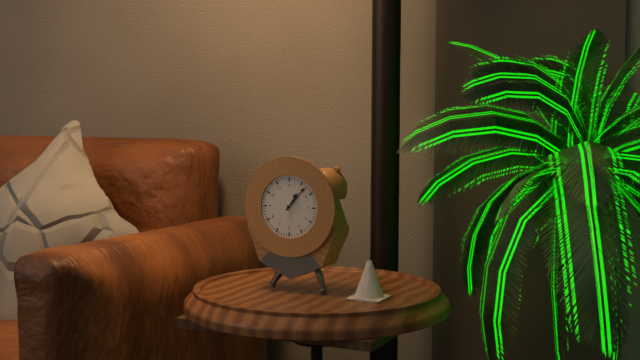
1:07
